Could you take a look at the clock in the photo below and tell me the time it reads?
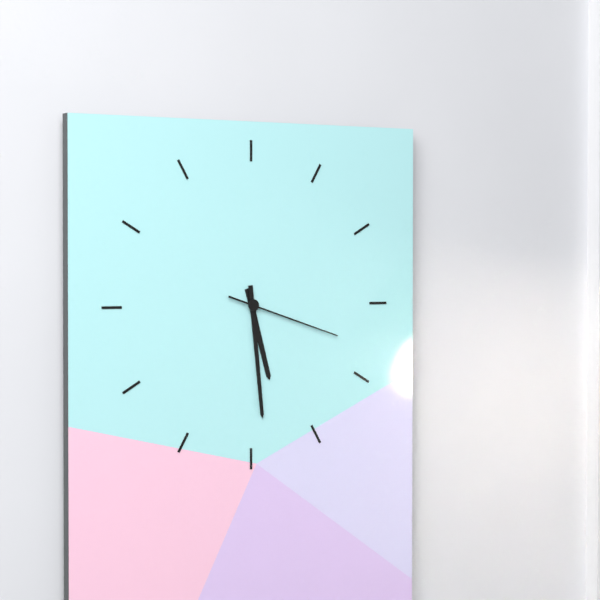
5:29:18
